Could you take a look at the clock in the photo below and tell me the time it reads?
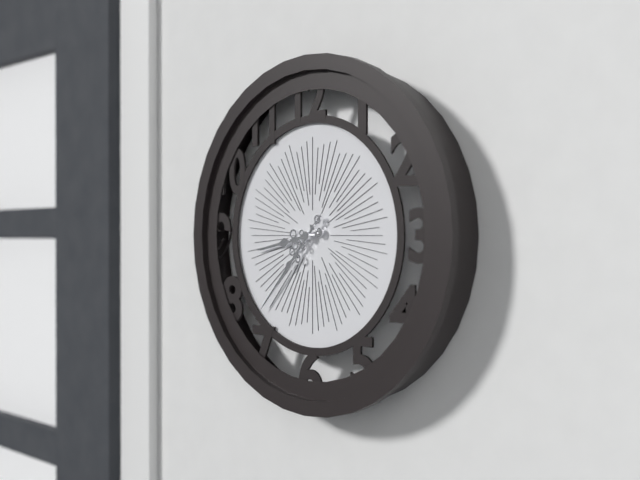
8:37
